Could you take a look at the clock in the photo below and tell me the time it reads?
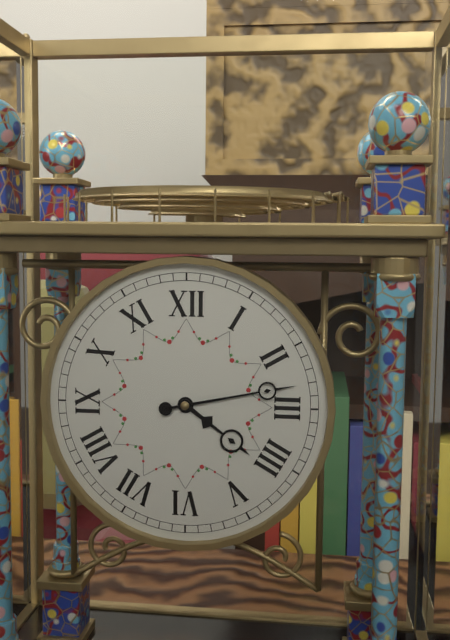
4:13
